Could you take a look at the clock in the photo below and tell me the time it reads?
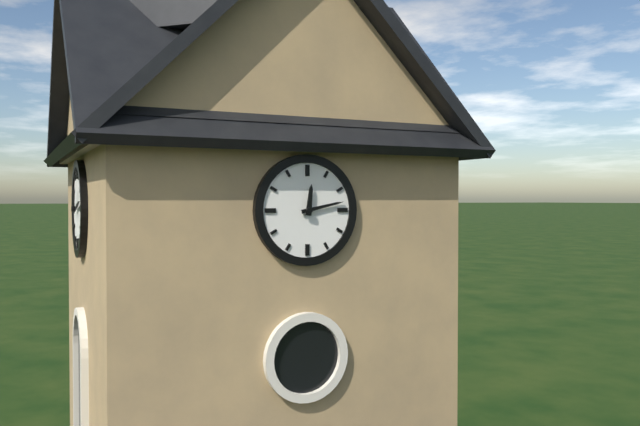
12:13
